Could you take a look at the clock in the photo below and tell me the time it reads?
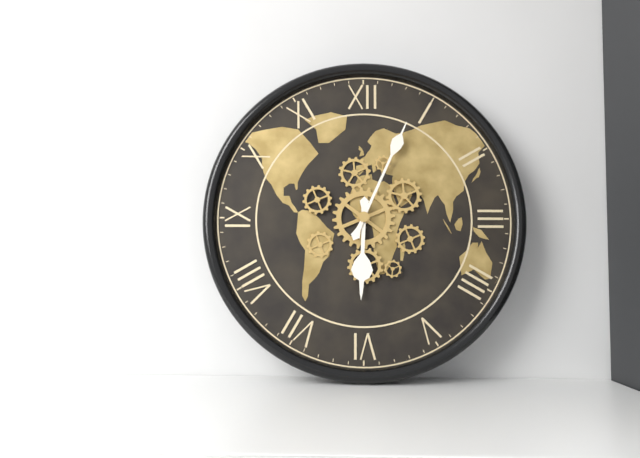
6:04
